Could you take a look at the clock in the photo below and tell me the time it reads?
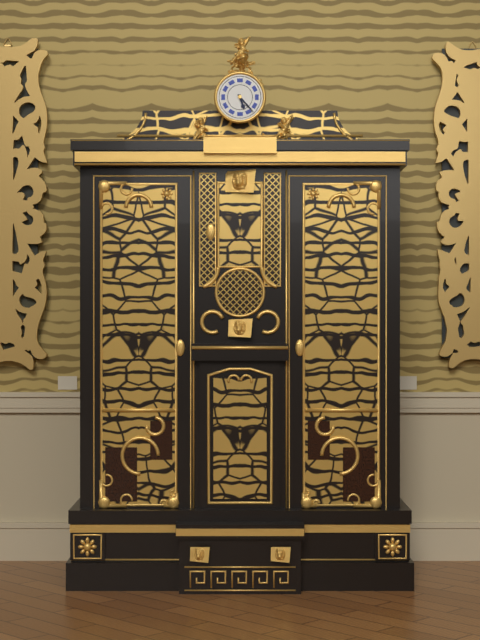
5:23
